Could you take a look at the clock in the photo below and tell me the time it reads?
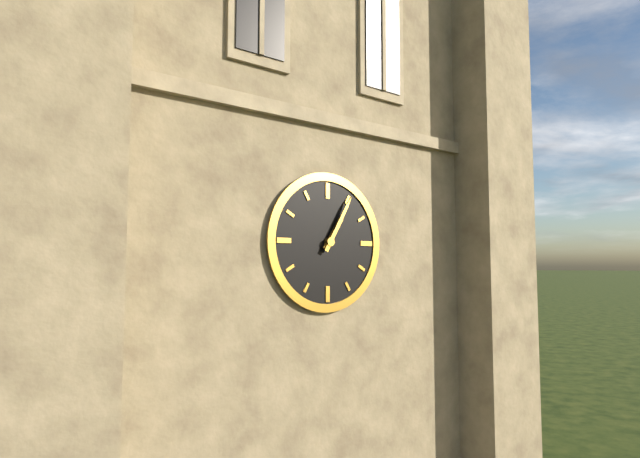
1:05
